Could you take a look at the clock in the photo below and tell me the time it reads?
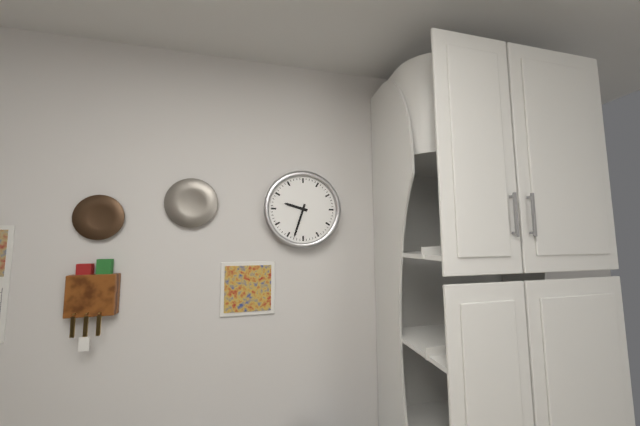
9:33
